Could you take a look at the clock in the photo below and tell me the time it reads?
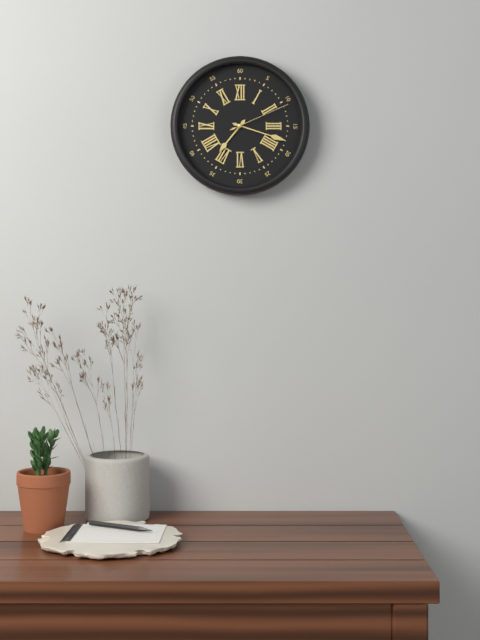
7:18:11
